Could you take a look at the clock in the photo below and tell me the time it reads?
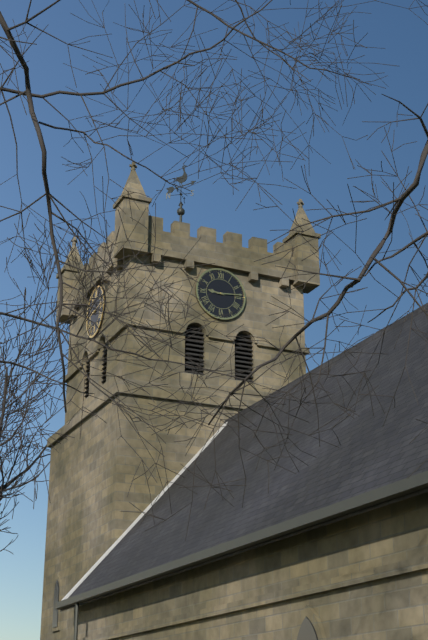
9:14
